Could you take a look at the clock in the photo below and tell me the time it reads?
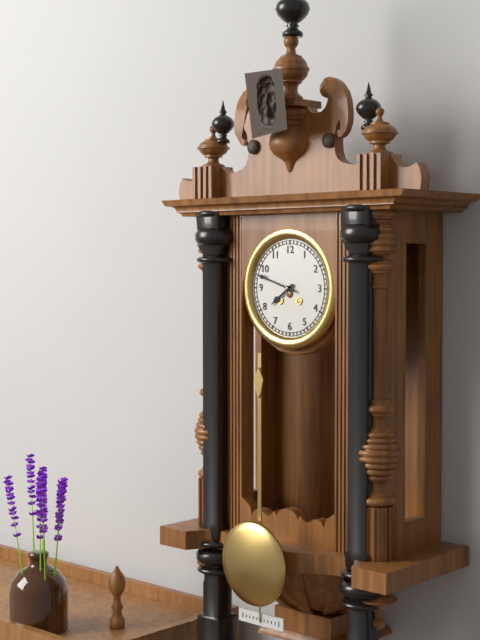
7:48
